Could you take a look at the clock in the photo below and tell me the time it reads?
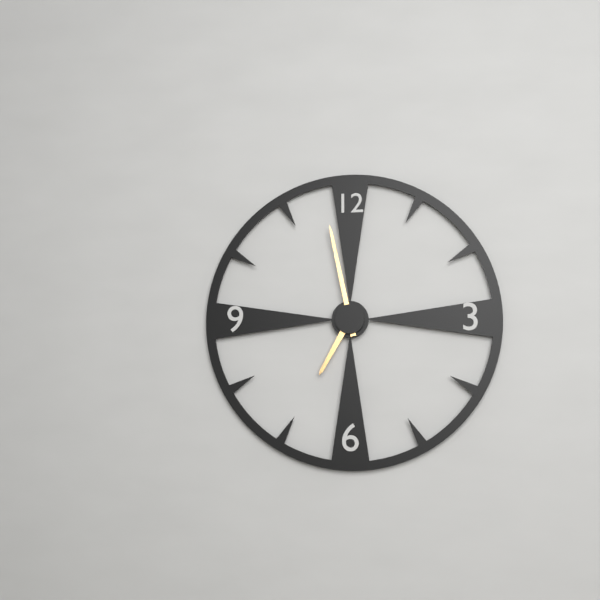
6:58
